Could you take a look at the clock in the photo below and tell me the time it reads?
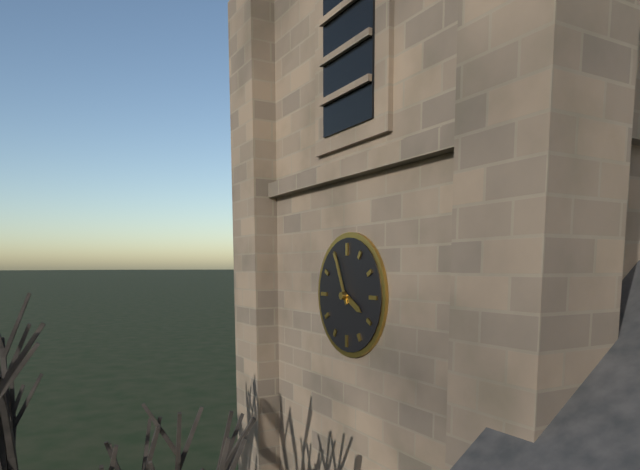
3:56
